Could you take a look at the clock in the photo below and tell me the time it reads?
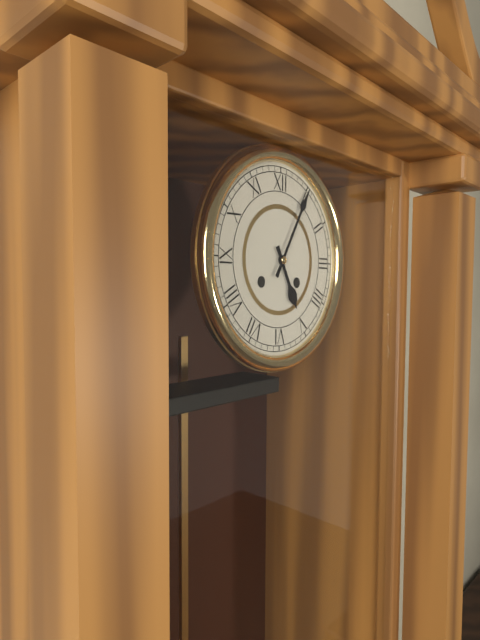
5:05
